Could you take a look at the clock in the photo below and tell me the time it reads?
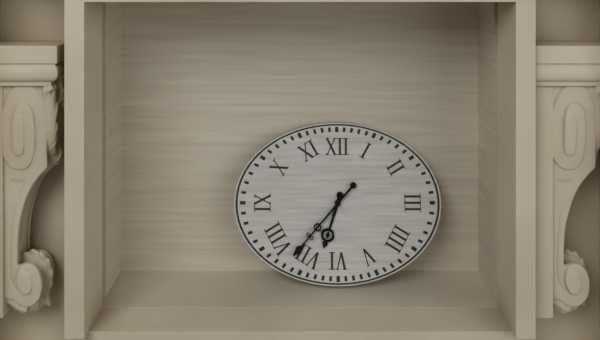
6:37
